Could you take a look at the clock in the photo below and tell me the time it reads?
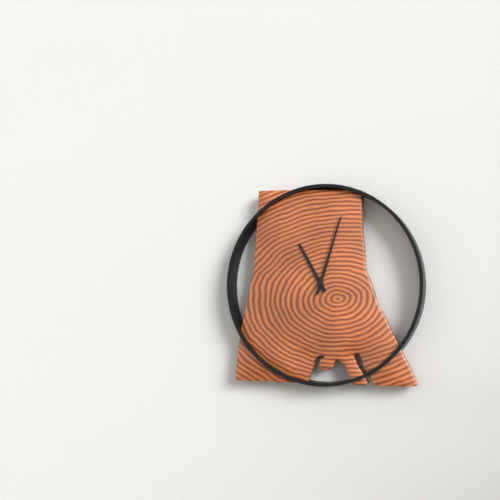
11:03
